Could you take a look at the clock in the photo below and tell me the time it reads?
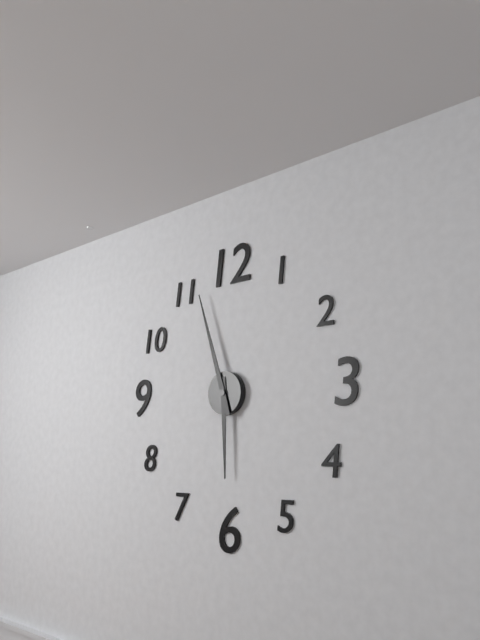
5:57
